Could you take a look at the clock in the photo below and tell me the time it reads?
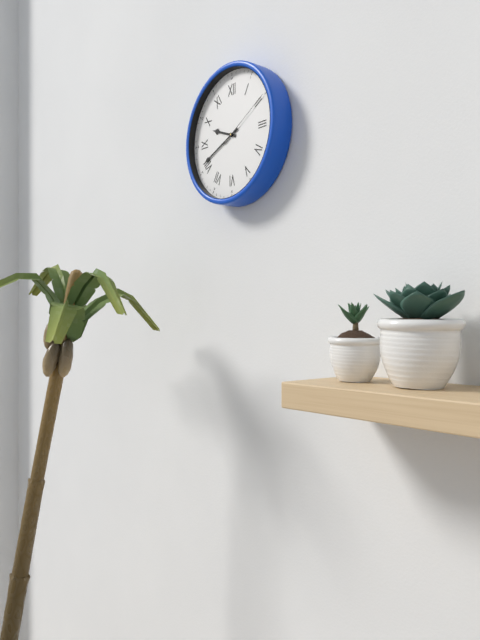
9:41:10
